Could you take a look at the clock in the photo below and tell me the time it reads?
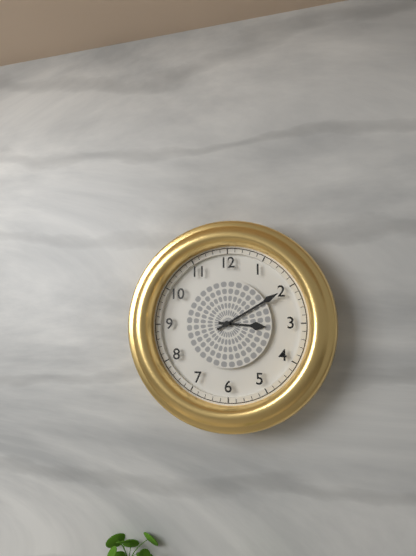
3:10
